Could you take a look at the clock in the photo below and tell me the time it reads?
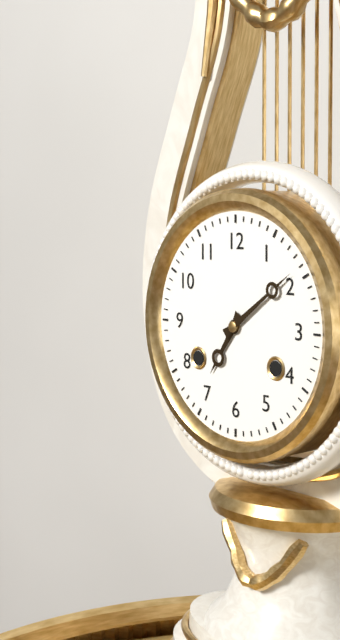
7:09
